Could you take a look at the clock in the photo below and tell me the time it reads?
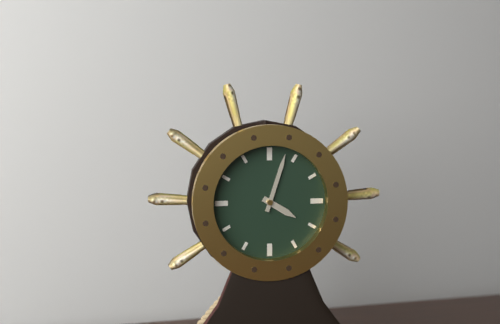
4:03
